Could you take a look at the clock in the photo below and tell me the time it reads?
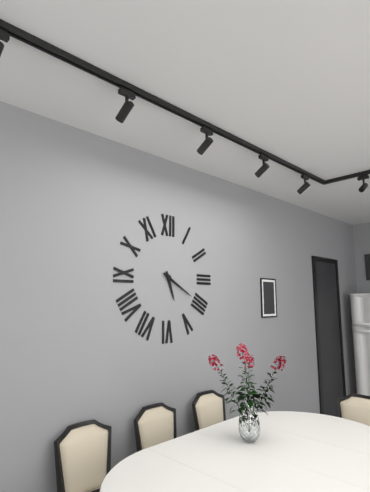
5:20
